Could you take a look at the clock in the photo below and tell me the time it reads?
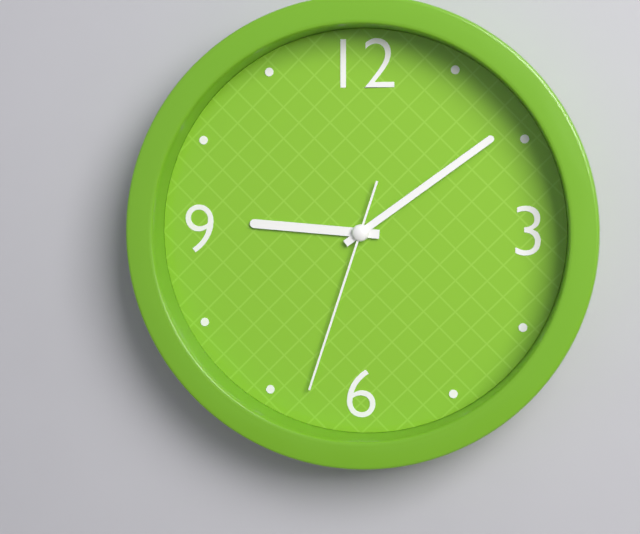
9:09:33
